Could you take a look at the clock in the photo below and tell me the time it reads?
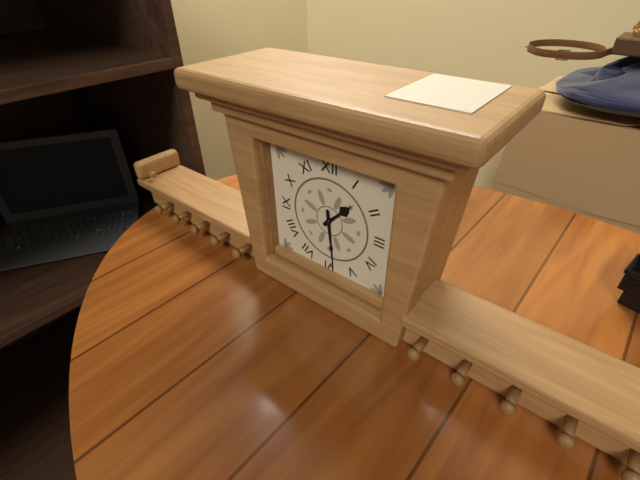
1:29
